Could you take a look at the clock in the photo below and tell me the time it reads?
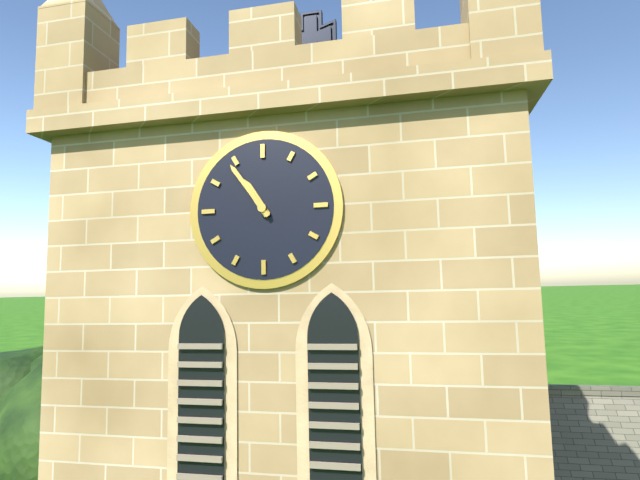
10:54
